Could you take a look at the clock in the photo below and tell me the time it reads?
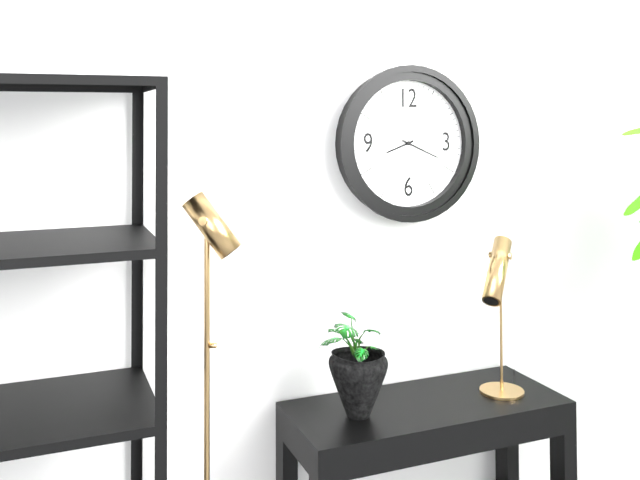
8:19
